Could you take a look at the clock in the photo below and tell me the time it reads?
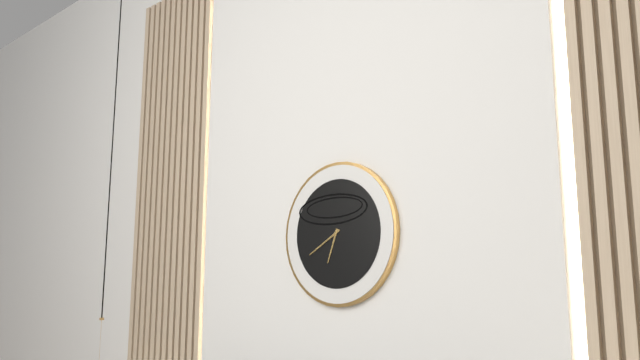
6:40
